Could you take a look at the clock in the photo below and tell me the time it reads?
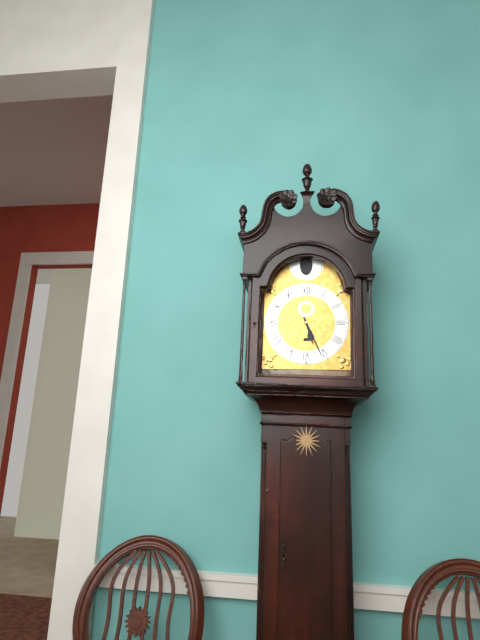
5:26
